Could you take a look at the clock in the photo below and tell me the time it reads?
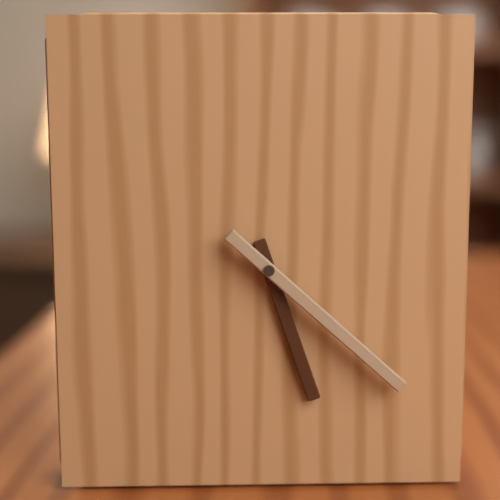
5:22
